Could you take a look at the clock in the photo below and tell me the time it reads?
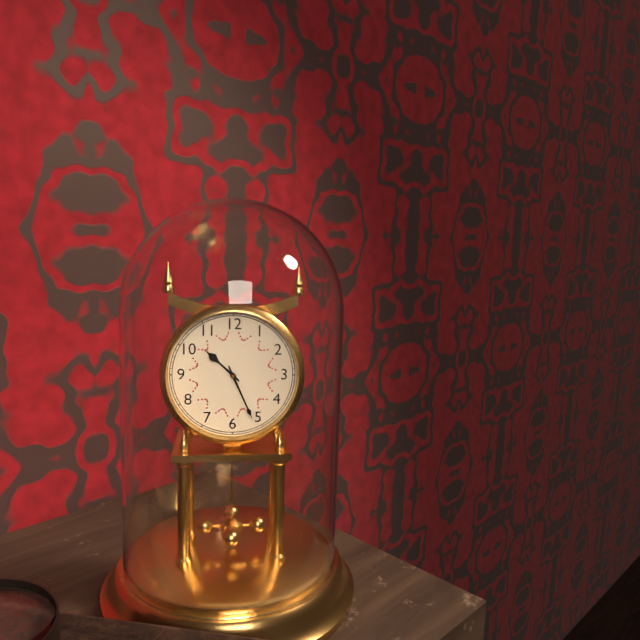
10:26
